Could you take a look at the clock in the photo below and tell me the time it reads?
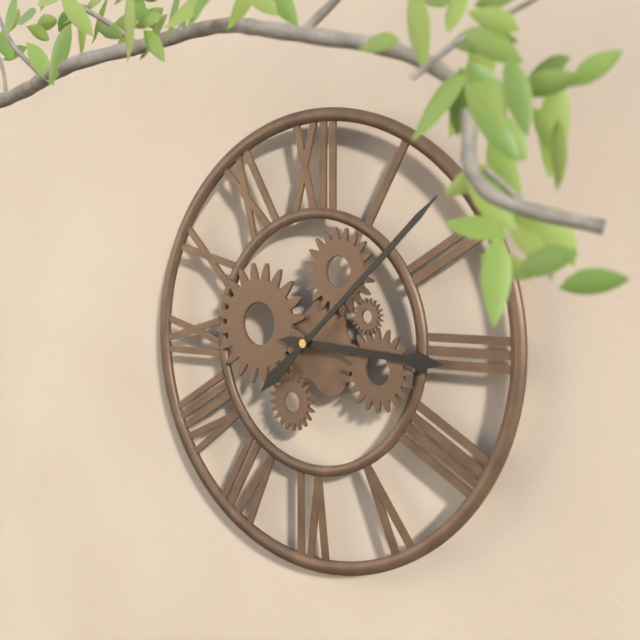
3:08
